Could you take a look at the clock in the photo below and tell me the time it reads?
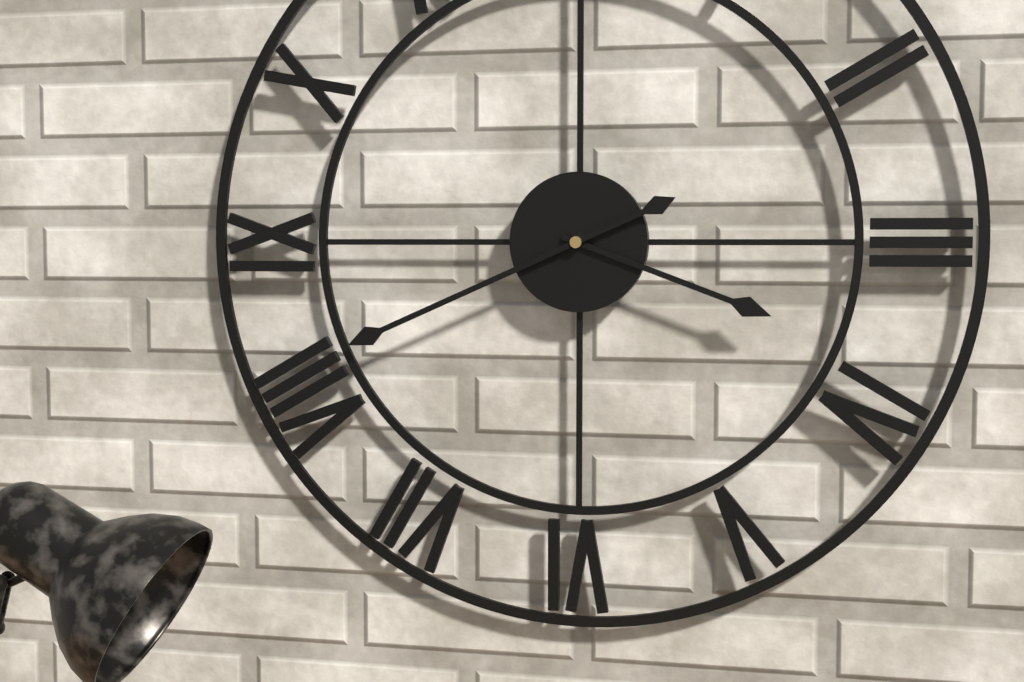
3:41
